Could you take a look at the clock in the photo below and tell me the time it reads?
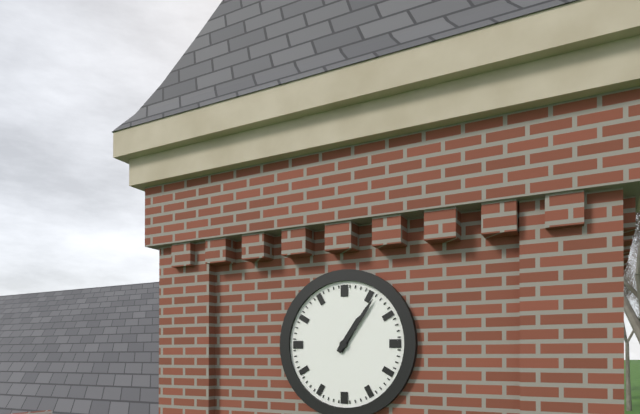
1:06
